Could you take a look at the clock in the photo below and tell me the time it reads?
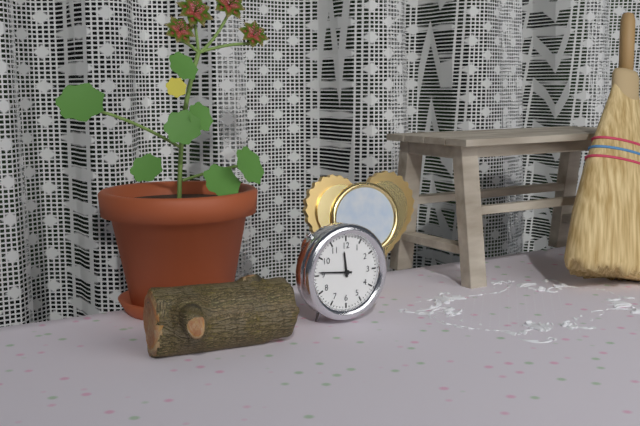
11:46
